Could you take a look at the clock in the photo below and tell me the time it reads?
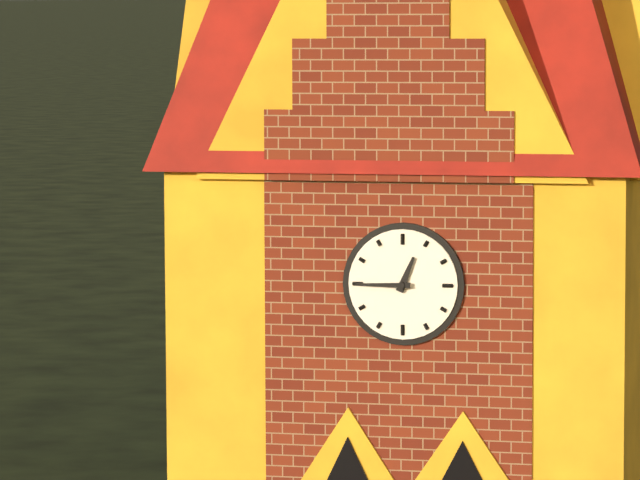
12:45
